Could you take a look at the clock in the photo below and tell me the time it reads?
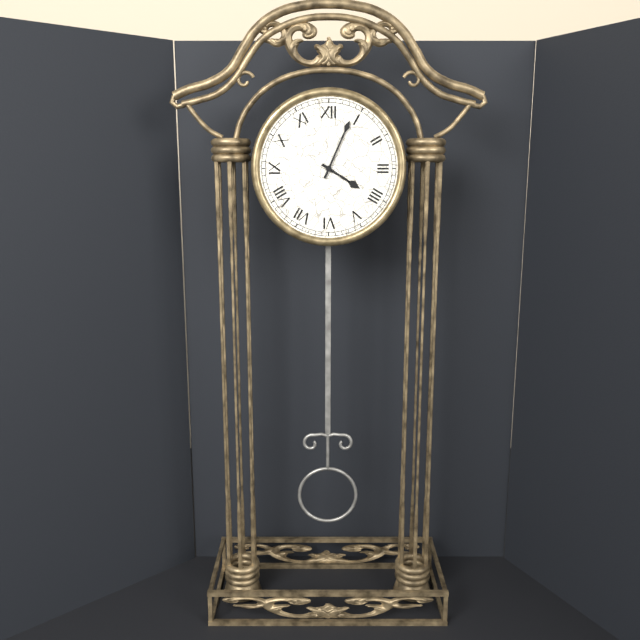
4:04
